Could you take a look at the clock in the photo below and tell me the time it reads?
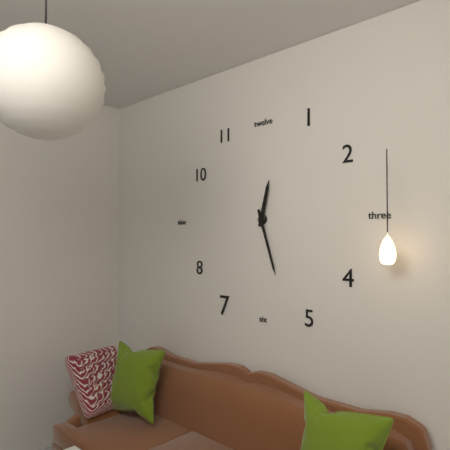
12:27
